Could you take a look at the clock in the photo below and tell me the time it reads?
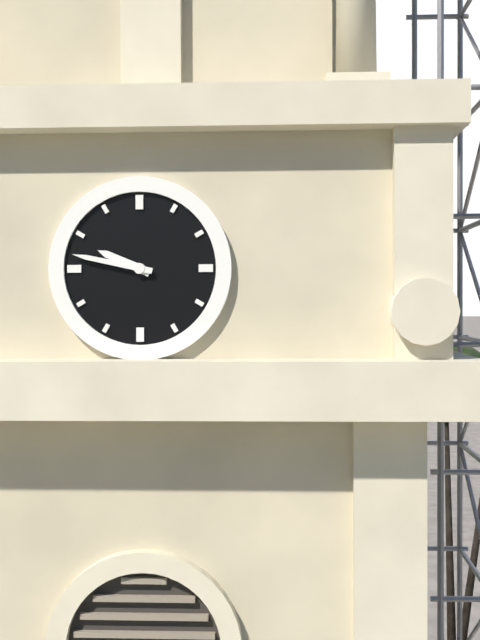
9:47
